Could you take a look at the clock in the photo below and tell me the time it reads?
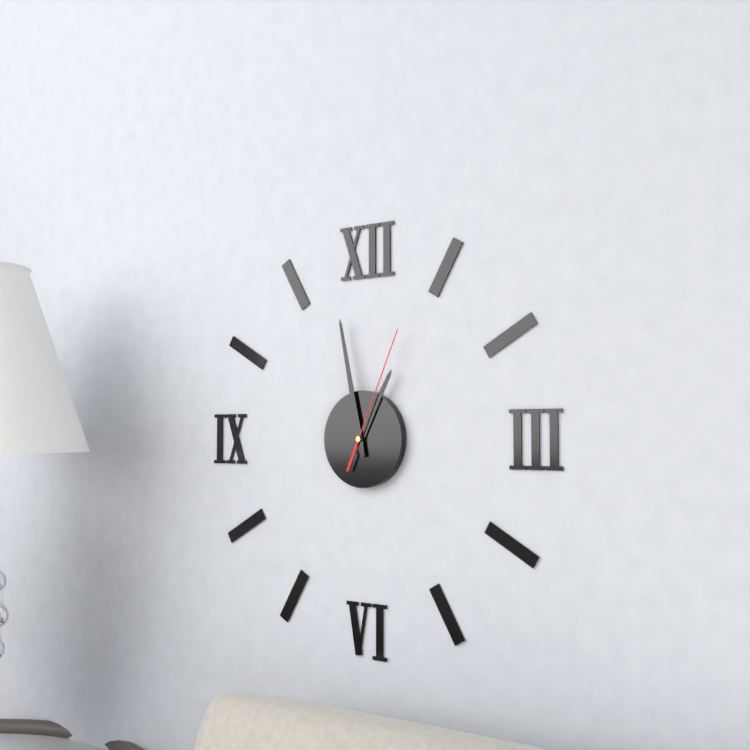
12:58:04
